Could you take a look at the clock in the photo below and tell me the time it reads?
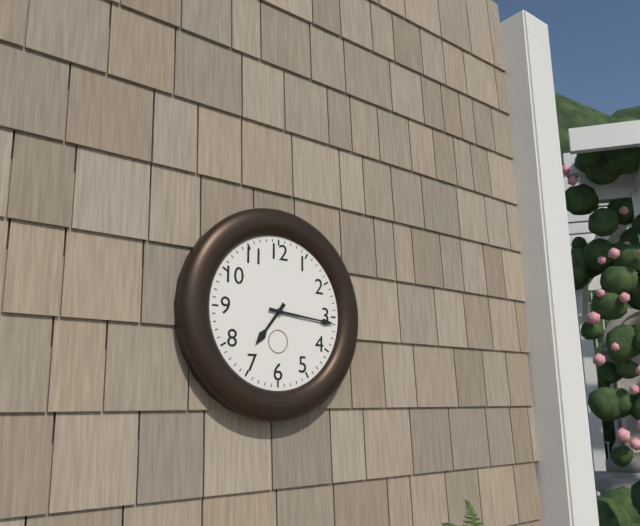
7:16
